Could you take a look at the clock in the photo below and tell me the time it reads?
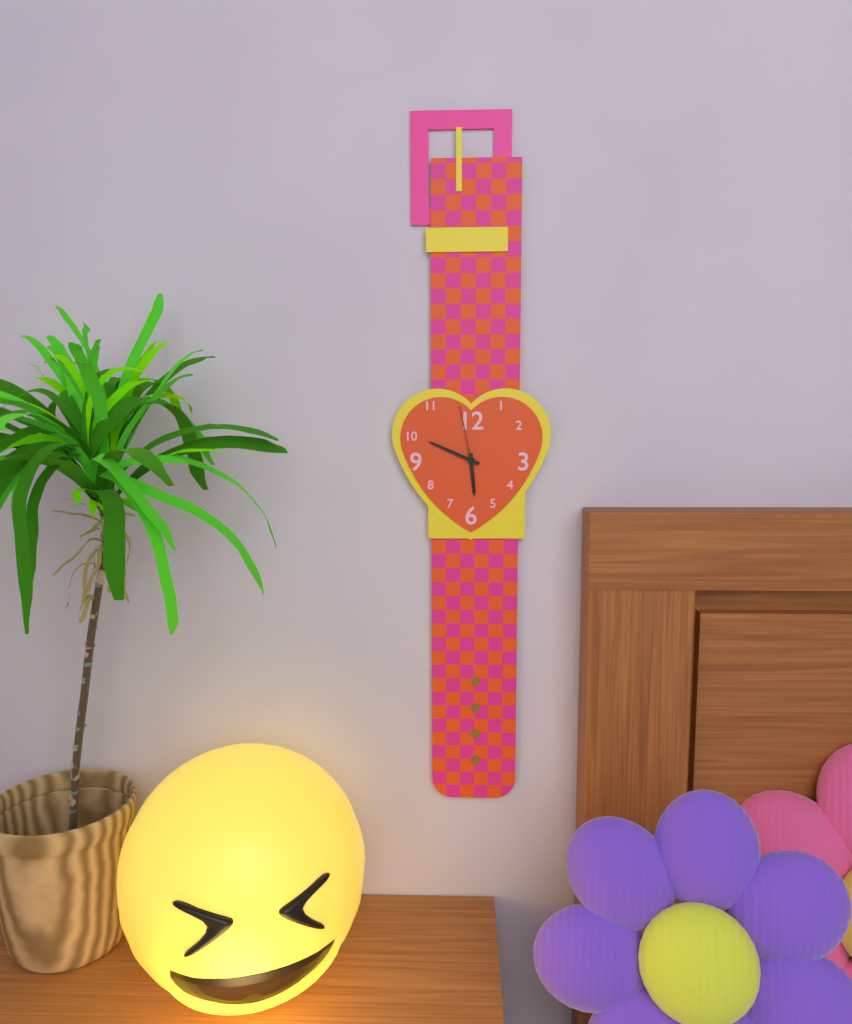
5:49:58
